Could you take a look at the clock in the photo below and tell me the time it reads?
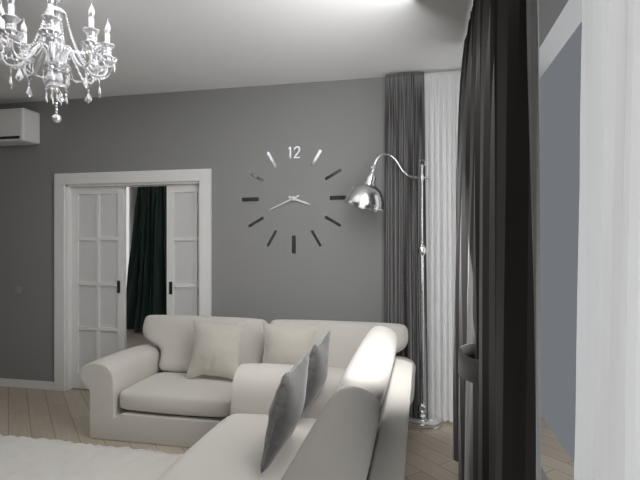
3:41
